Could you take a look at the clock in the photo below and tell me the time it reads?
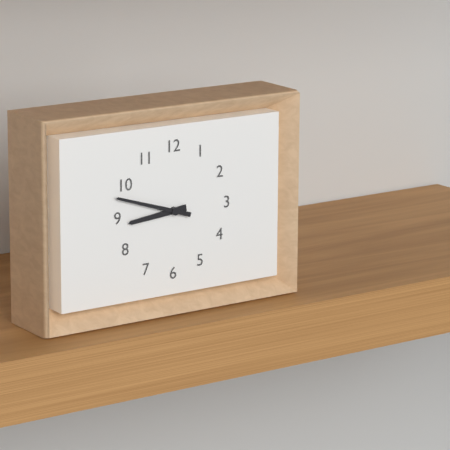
8:48
